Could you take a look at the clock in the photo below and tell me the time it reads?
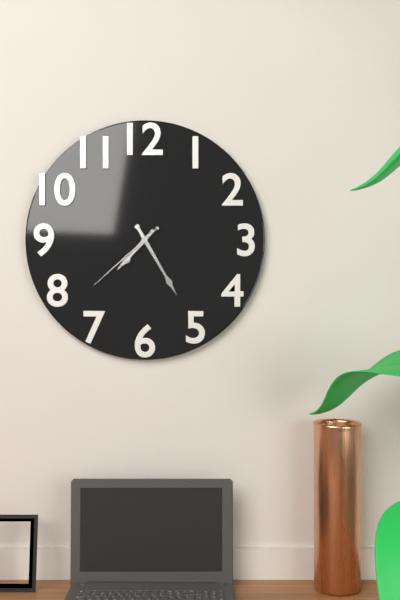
7:25:38
